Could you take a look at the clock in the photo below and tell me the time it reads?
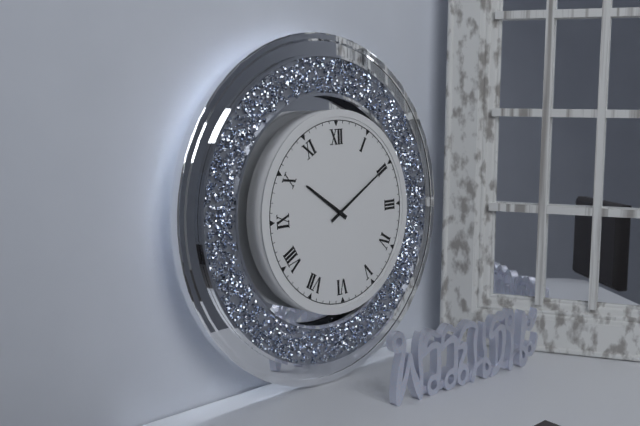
10:10
